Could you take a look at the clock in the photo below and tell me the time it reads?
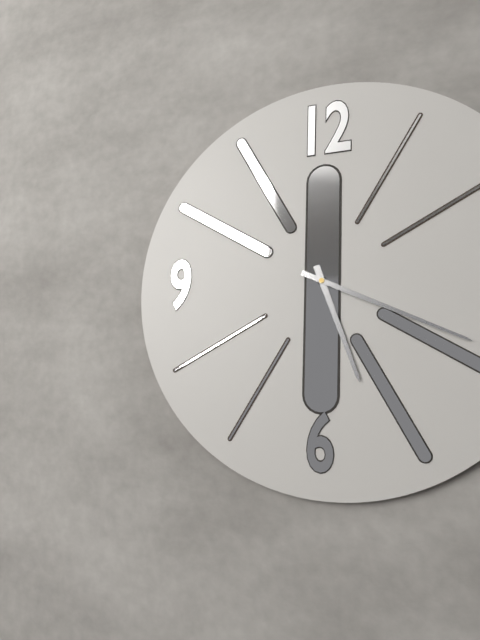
5:19
